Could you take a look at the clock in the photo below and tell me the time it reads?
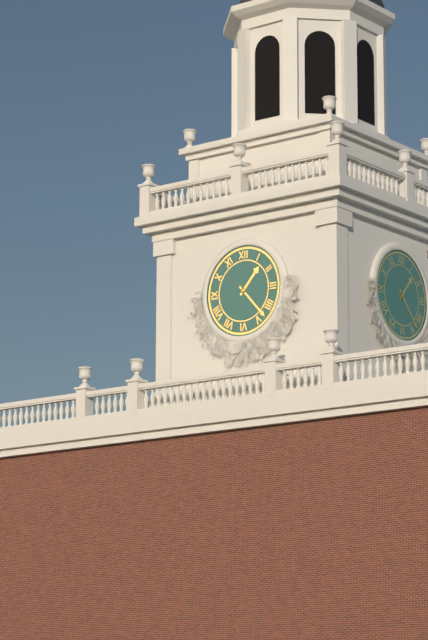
1:23
